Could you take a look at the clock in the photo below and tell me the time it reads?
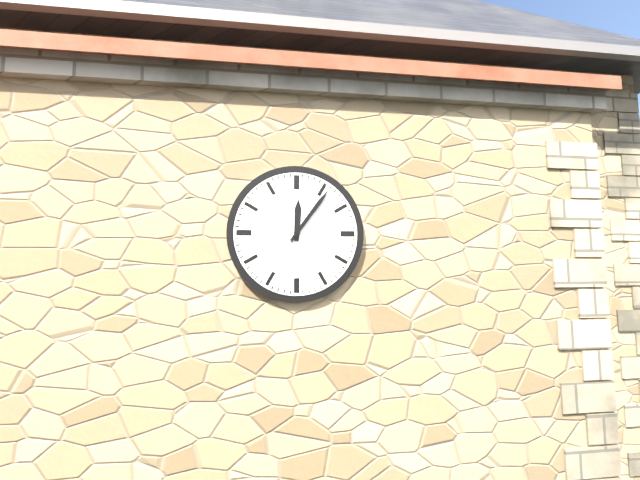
12:06
